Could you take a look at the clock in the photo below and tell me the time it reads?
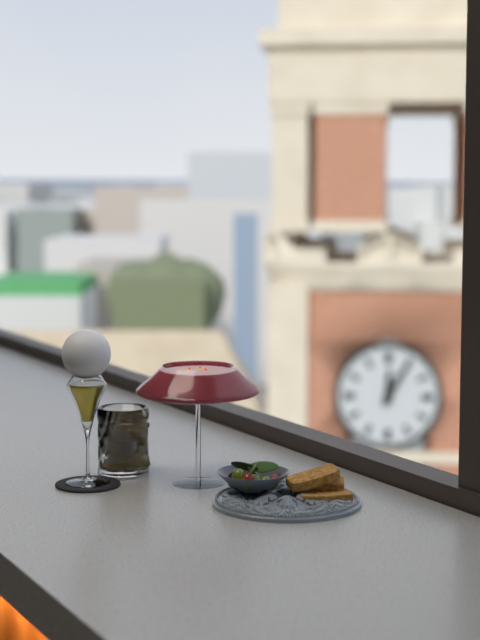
12:05
